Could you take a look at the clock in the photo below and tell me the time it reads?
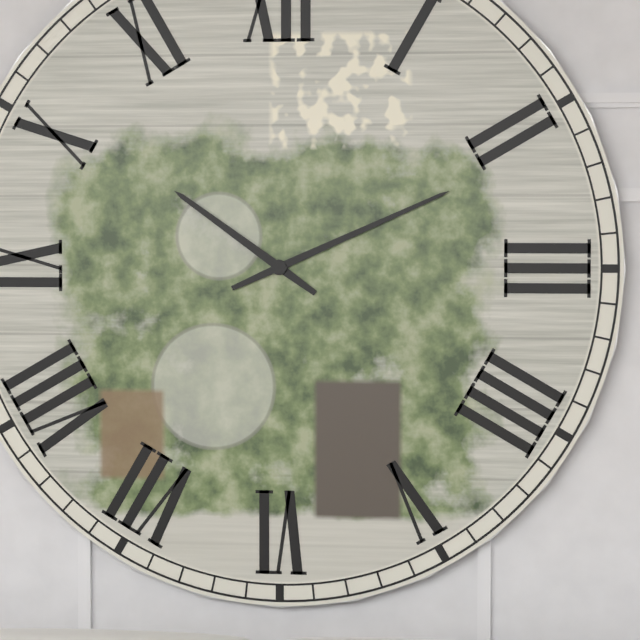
10:11
